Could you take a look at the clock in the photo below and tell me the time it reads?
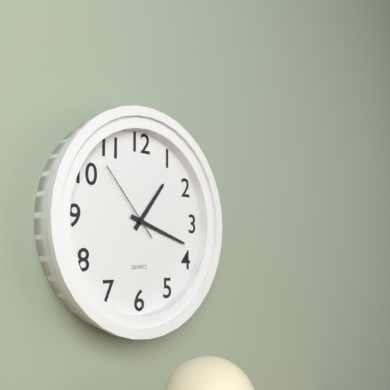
1:18:53
